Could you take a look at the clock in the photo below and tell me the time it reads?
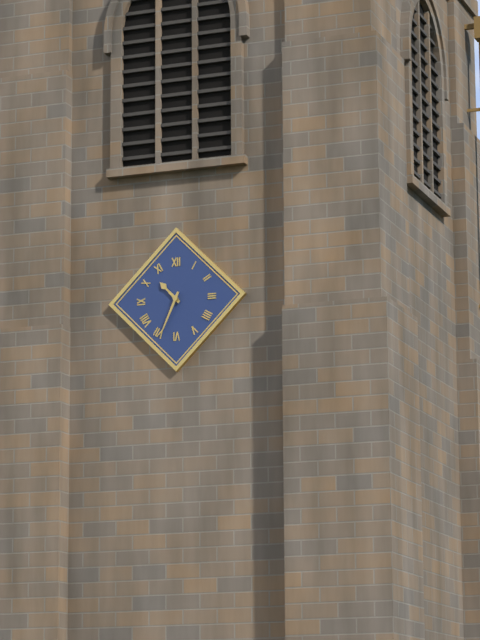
10:34
